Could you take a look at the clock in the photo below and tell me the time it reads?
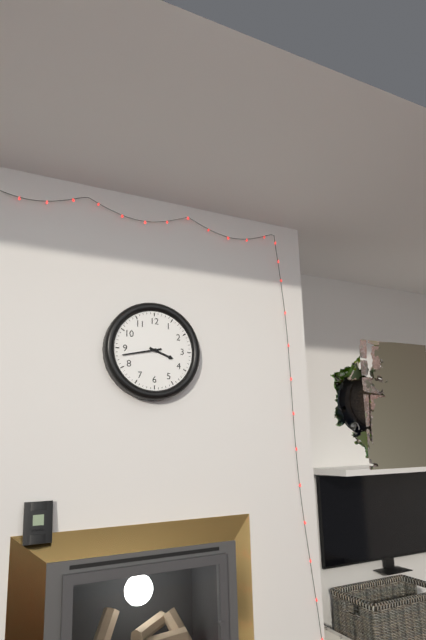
3:43
